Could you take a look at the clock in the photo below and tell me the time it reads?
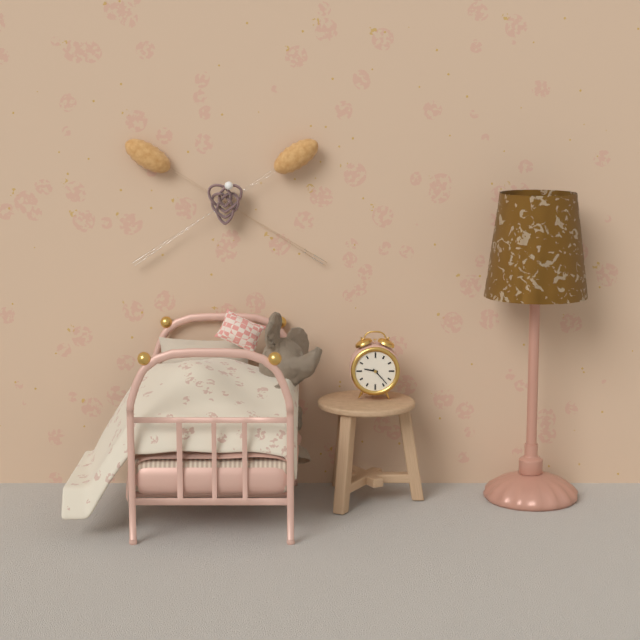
9:23
